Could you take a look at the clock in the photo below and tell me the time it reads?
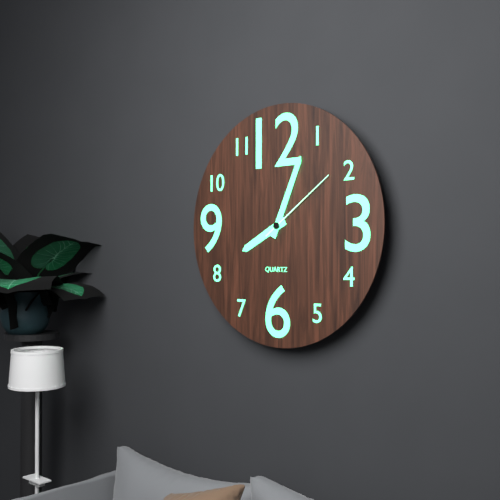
8:04:09
